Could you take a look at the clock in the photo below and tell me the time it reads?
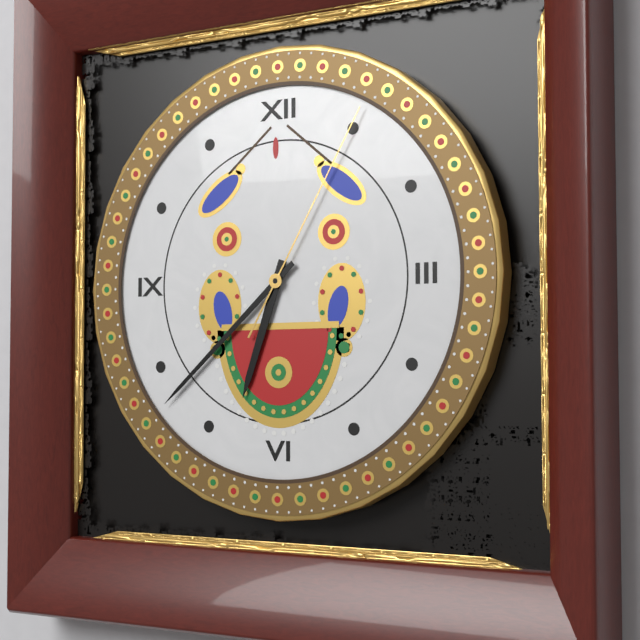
6:38:05
